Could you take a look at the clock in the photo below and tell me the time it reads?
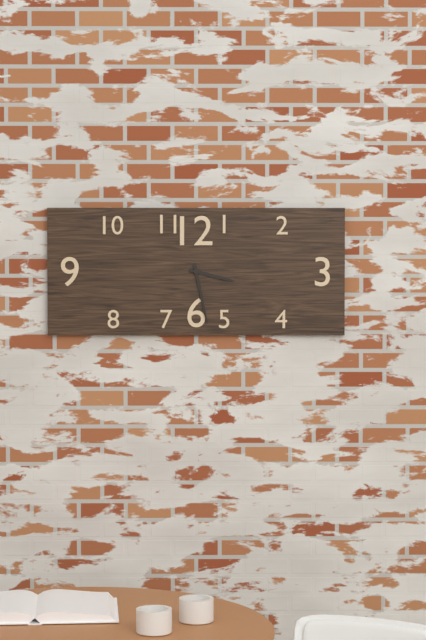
3:28
